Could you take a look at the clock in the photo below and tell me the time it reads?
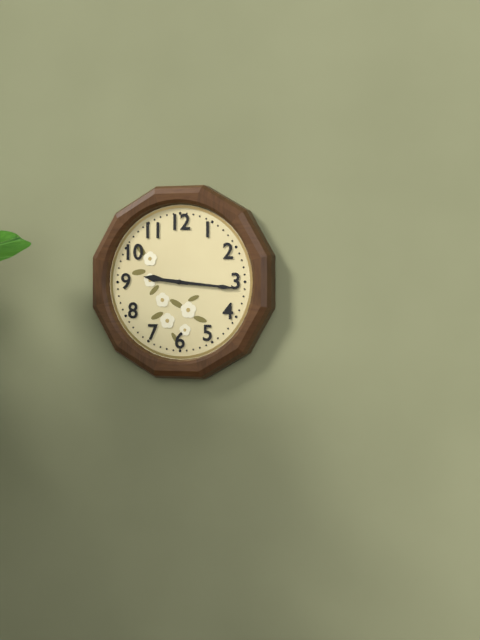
9:16
